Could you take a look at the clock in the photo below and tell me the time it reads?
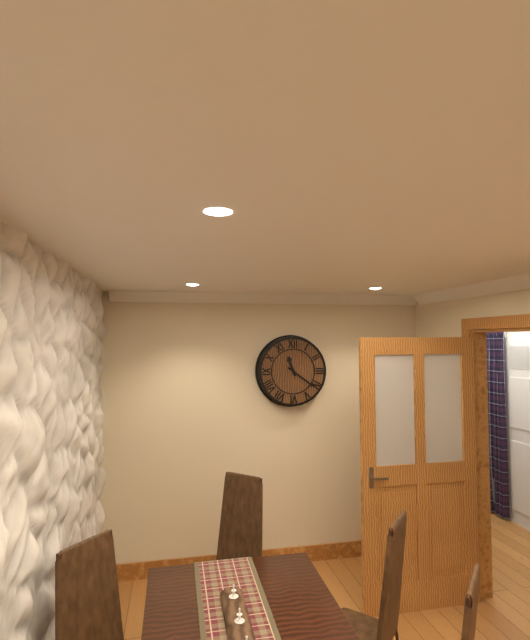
11:21
